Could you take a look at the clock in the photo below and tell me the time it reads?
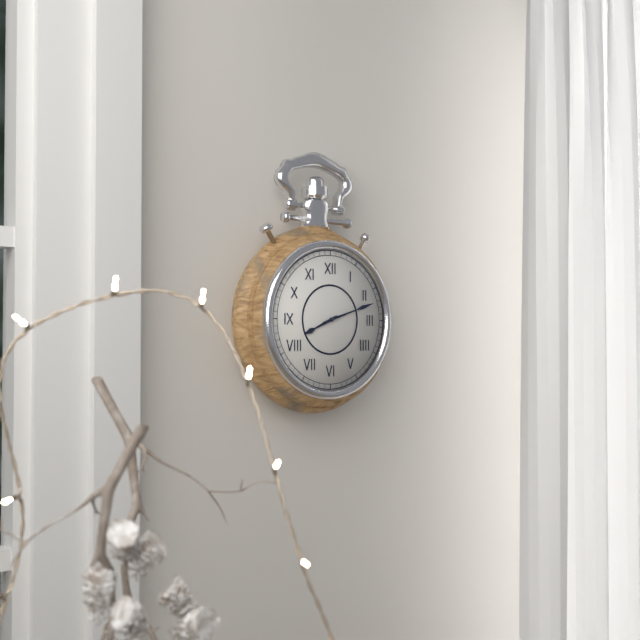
8:12
